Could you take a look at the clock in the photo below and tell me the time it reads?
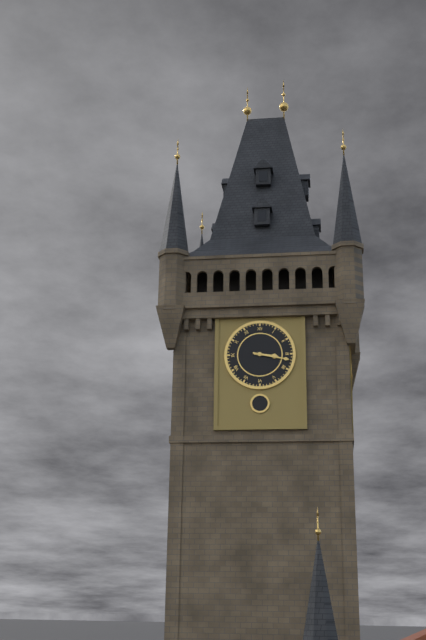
3:17
